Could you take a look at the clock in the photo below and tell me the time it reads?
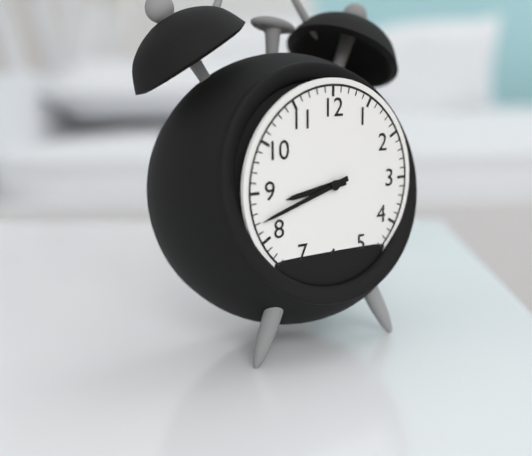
8:42
